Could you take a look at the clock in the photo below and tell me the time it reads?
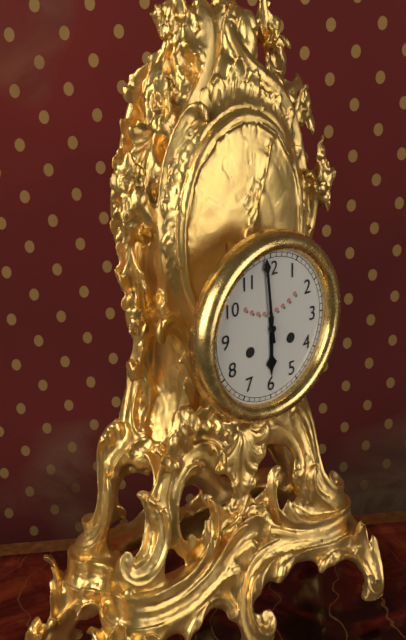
5:59
